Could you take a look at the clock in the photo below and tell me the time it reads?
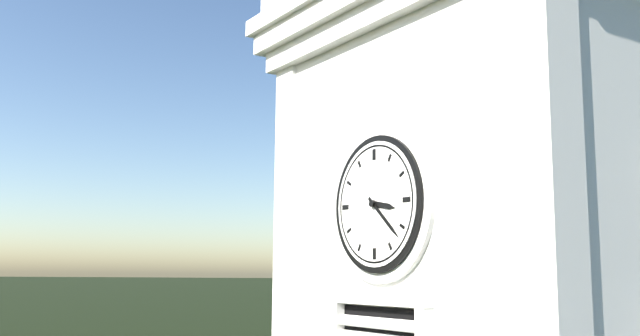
3:22
